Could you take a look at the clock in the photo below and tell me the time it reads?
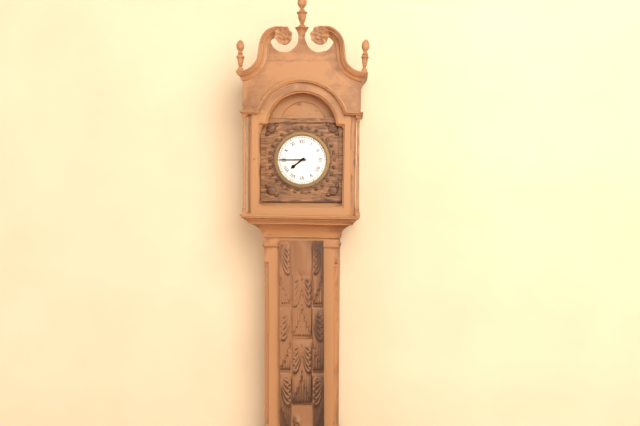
7:45
